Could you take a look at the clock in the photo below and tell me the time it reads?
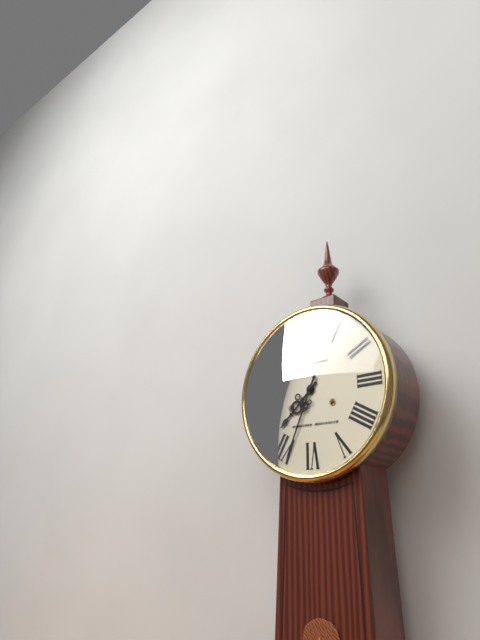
7:34
